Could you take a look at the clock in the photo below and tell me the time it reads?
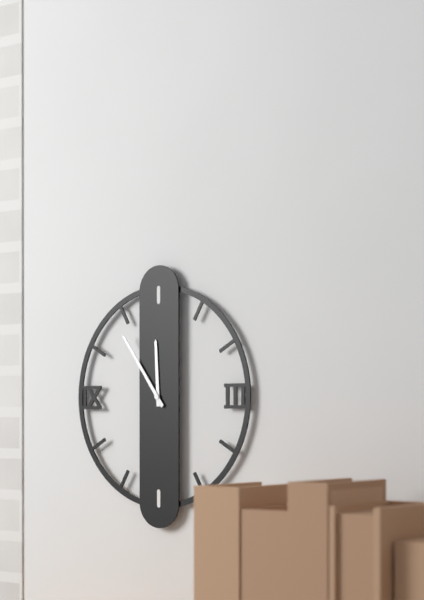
11:54
